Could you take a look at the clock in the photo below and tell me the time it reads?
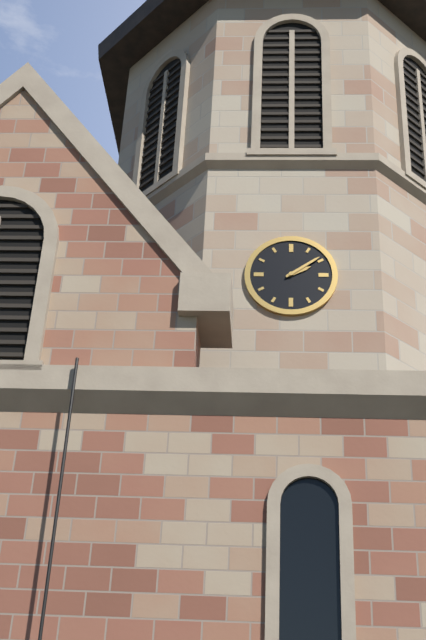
2:09
